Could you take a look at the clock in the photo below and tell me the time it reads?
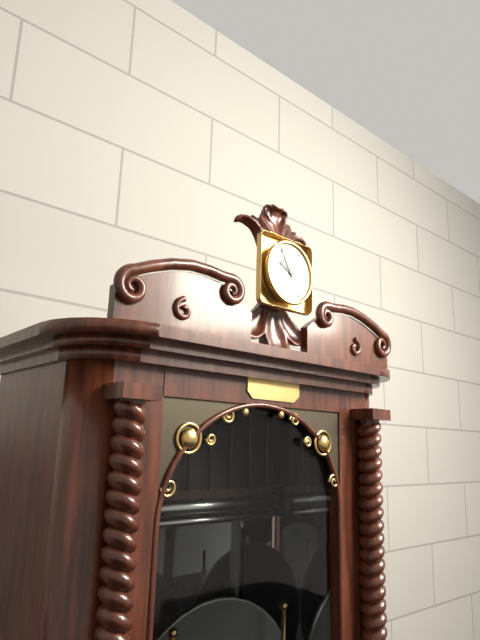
9:55
